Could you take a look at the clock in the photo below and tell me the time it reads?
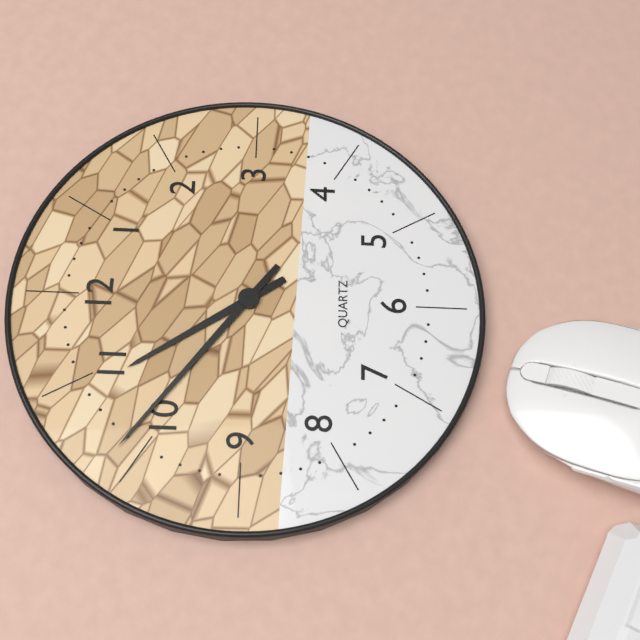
10:51
